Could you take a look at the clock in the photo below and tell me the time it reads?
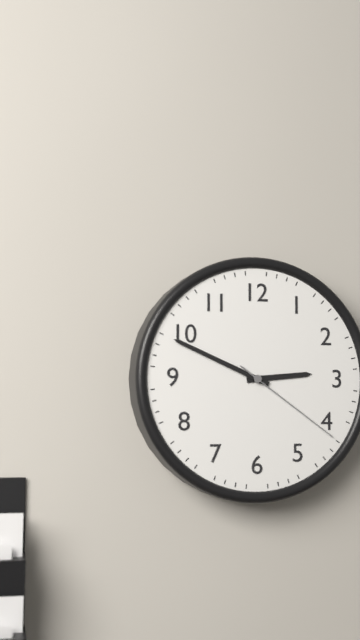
2:49:21
